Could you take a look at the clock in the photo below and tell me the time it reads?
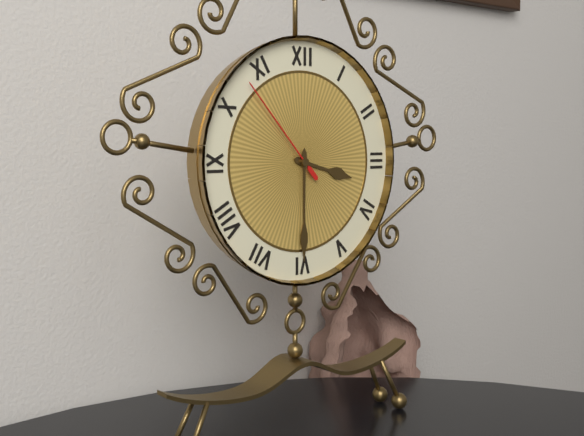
3:30:53
